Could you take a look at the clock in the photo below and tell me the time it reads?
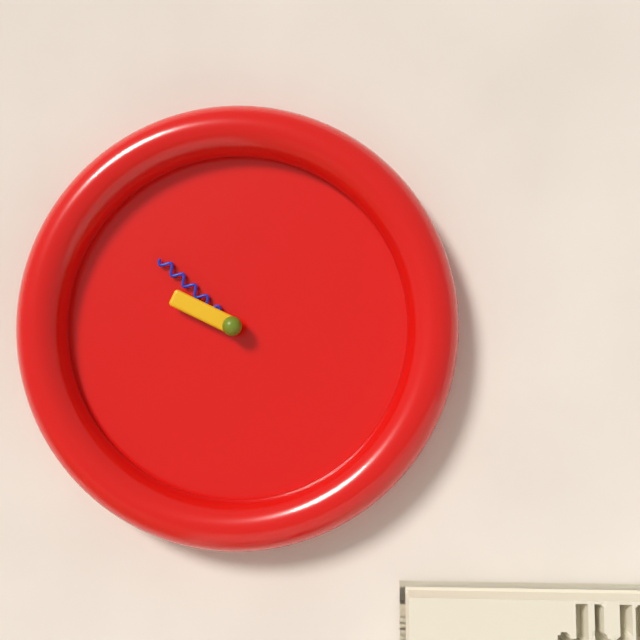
9:52
